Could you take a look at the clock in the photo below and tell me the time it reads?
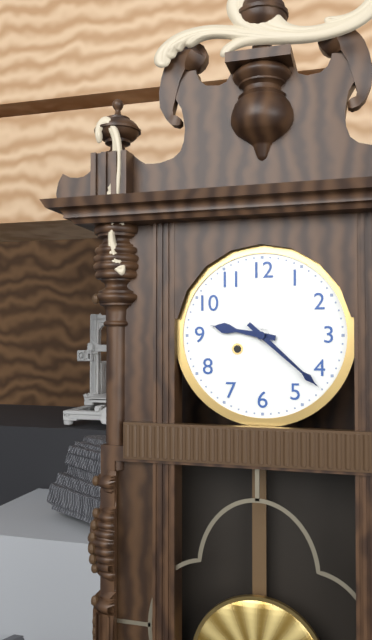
9:22
